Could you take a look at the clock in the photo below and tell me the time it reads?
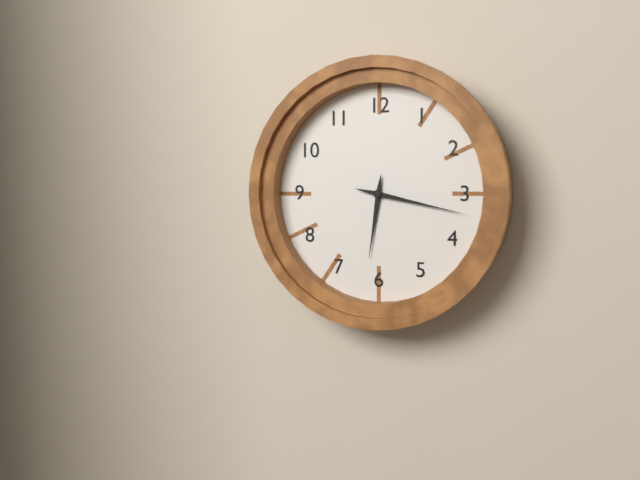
6:17
